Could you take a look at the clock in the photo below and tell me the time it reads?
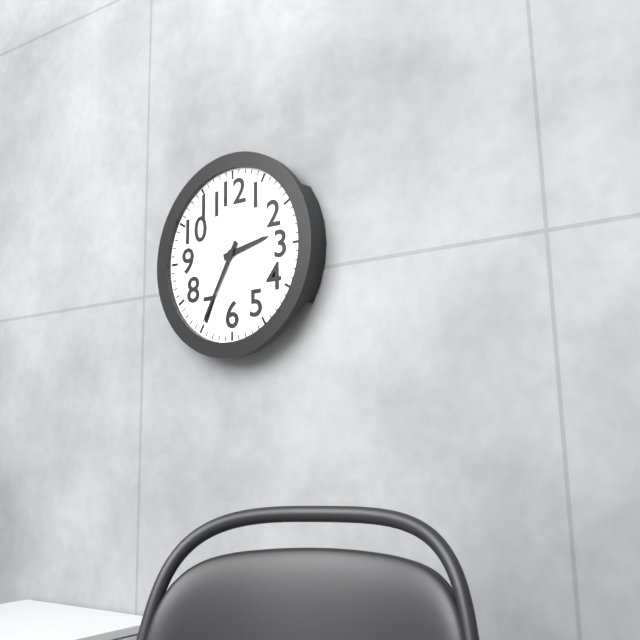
2:35
